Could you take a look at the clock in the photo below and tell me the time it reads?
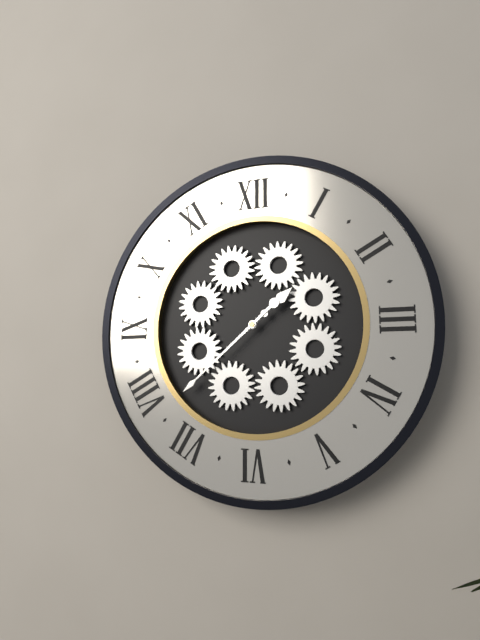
1:38
